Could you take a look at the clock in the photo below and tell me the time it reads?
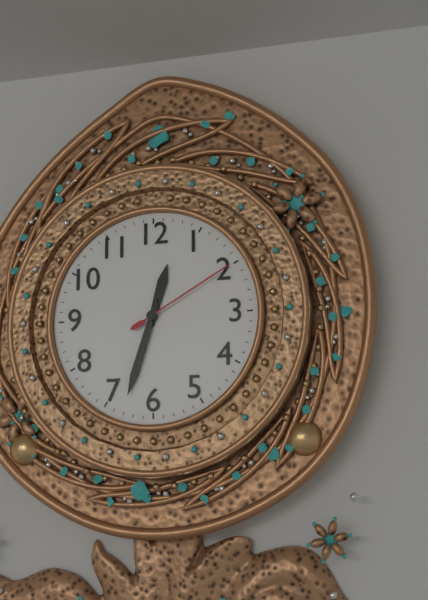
12:33:10
